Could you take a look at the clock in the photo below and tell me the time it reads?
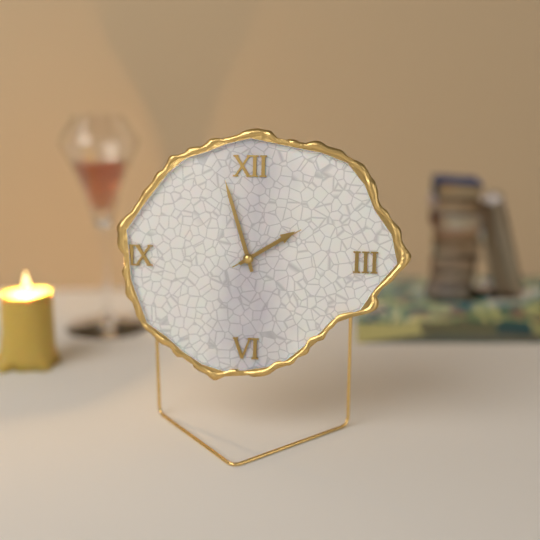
1:57:10
